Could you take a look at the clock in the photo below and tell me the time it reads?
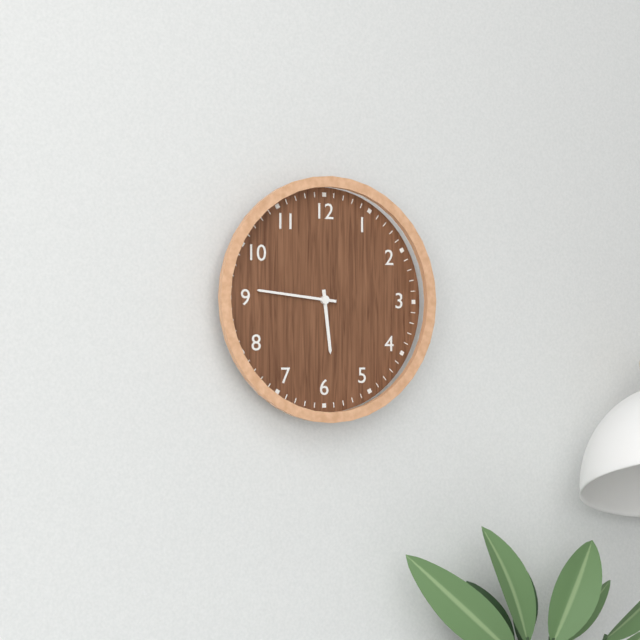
5:46
